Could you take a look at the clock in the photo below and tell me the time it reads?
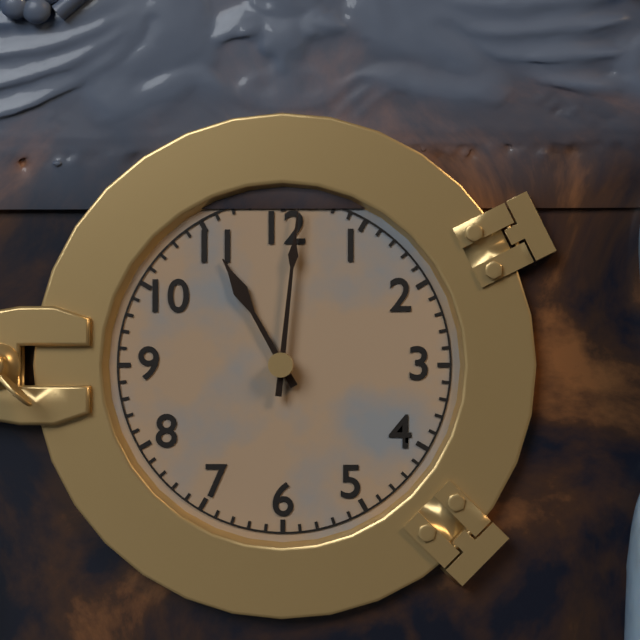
11:01
